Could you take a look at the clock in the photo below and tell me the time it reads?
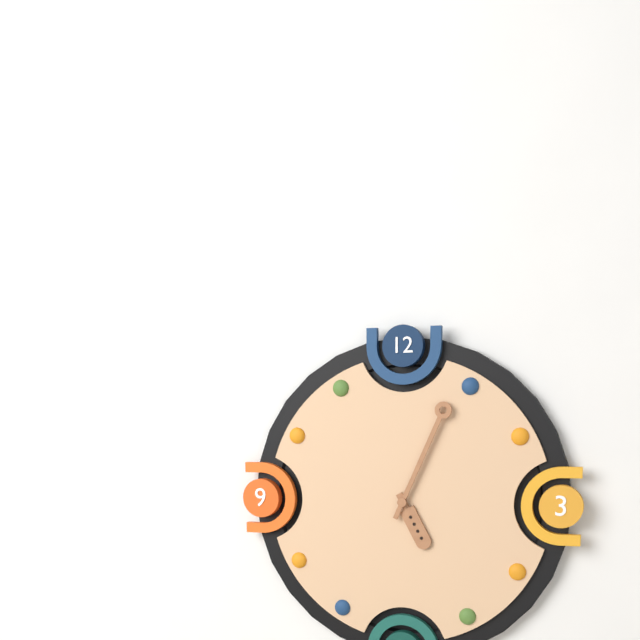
5:04
